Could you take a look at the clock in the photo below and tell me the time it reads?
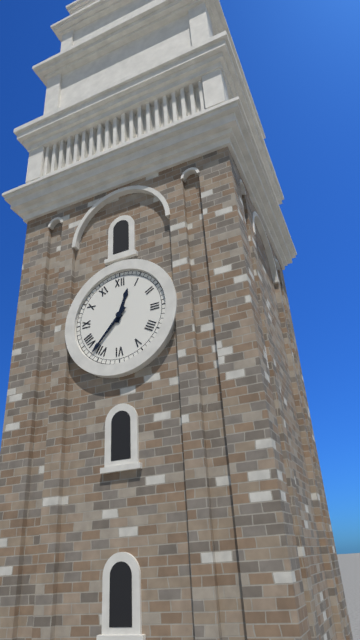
12:37
